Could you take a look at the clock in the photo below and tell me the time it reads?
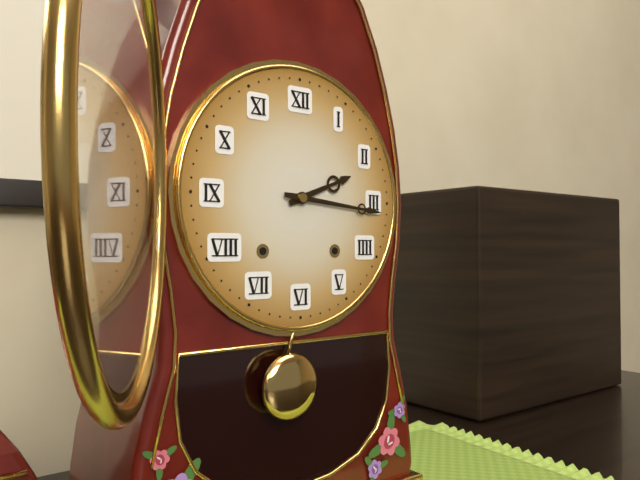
2:16
